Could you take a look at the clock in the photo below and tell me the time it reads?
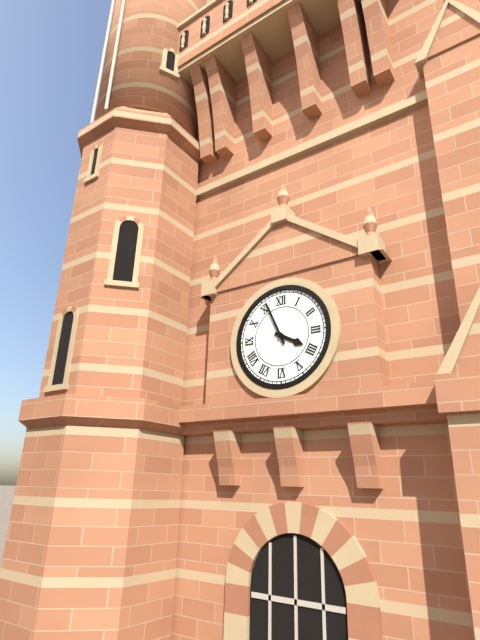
3:56
